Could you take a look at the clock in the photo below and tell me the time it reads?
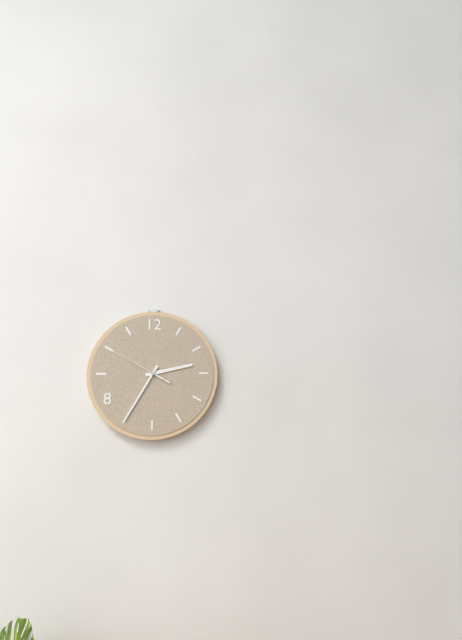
2:35:50
